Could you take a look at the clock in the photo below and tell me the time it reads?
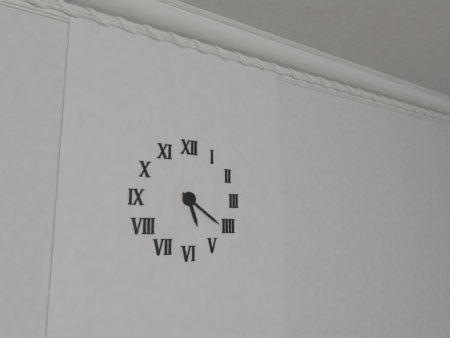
5:21
